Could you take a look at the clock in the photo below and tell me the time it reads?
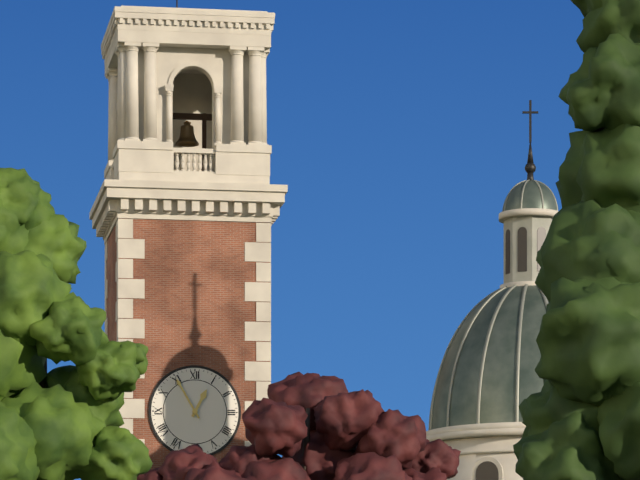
12:55
